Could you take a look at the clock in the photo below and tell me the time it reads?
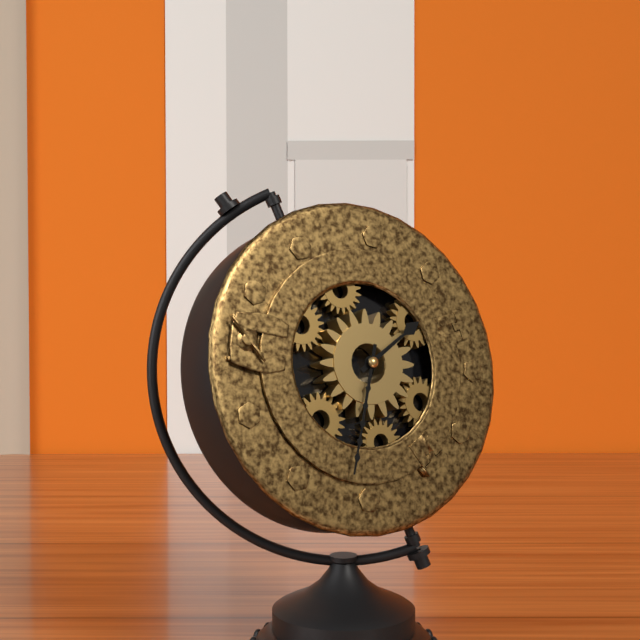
1:31
